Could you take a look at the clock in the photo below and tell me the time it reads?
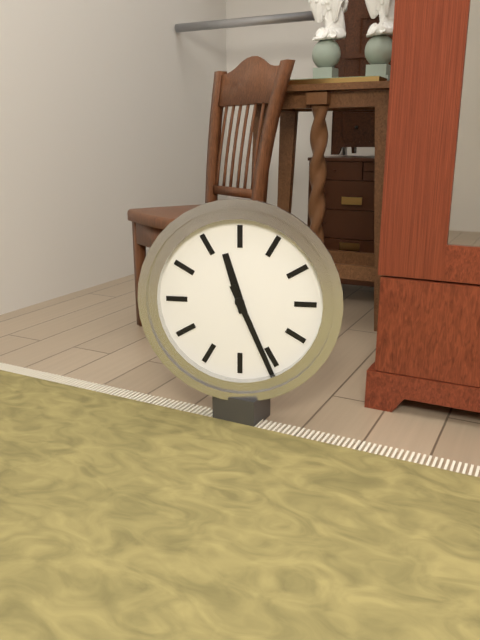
11:26
